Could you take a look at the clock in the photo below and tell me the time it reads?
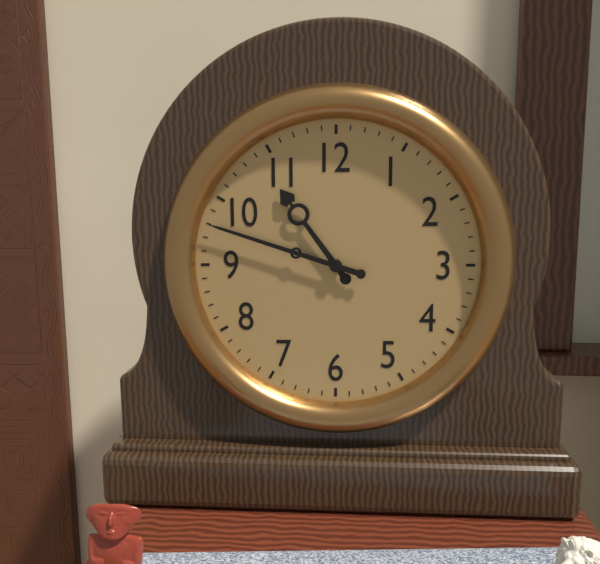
10:48
